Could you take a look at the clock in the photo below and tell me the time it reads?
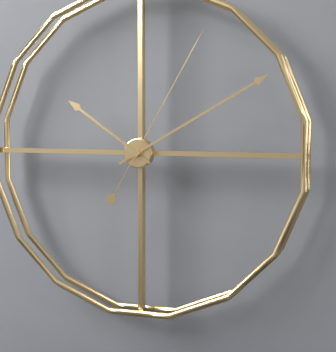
10:10:05
